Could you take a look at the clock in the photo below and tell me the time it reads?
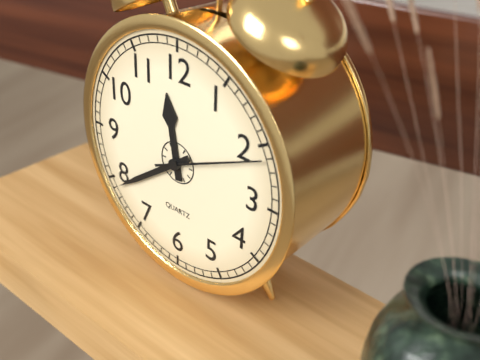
11:39:11
